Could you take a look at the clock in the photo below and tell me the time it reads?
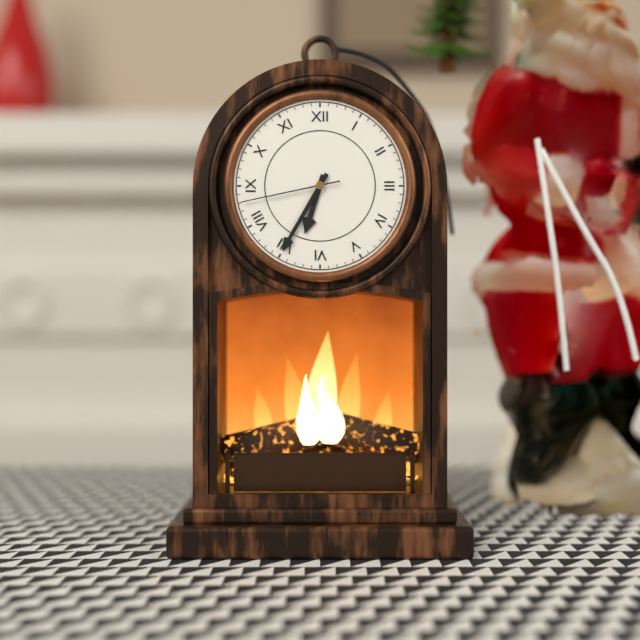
6:35:43
